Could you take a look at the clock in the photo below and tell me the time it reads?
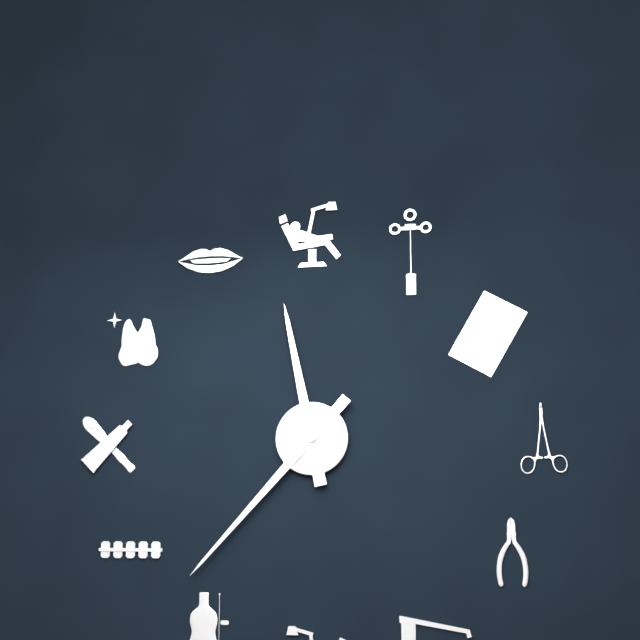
11:37
